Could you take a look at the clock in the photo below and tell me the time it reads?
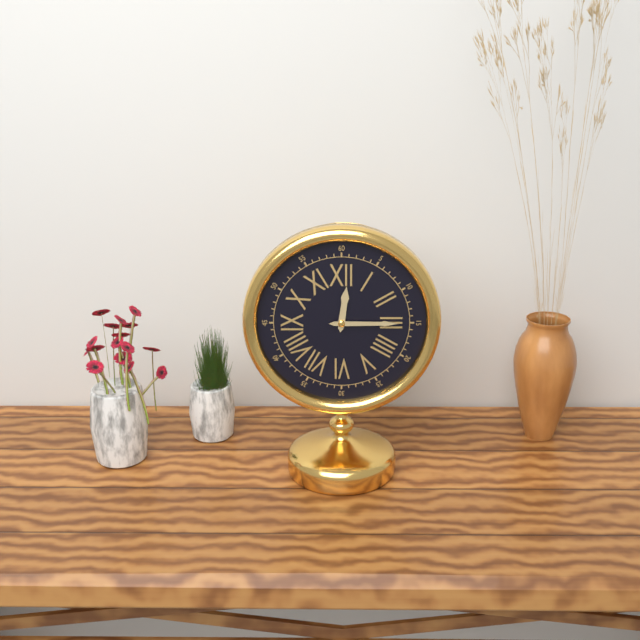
12:15
